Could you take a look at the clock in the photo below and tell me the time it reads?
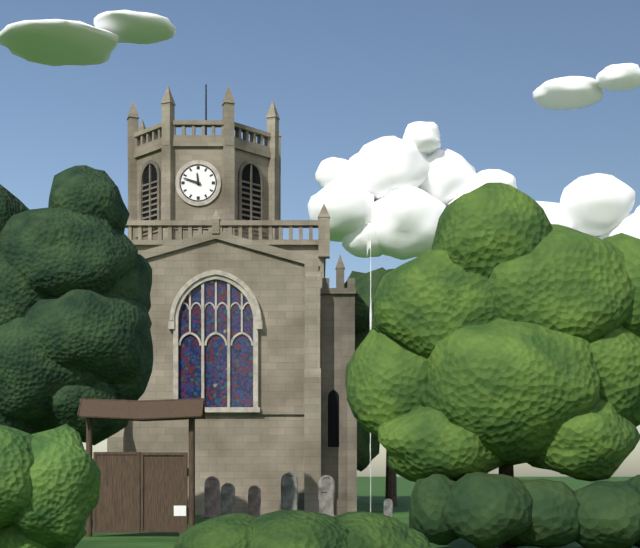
11:48
